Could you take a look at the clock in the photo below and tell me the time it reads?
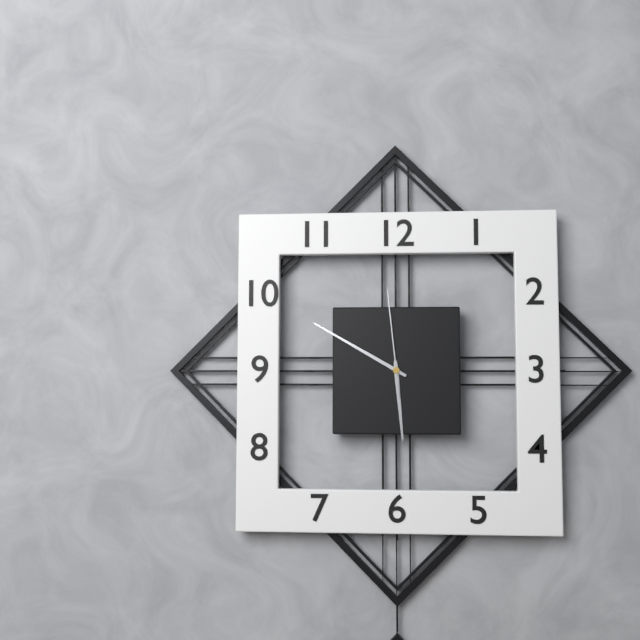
5:50:59
